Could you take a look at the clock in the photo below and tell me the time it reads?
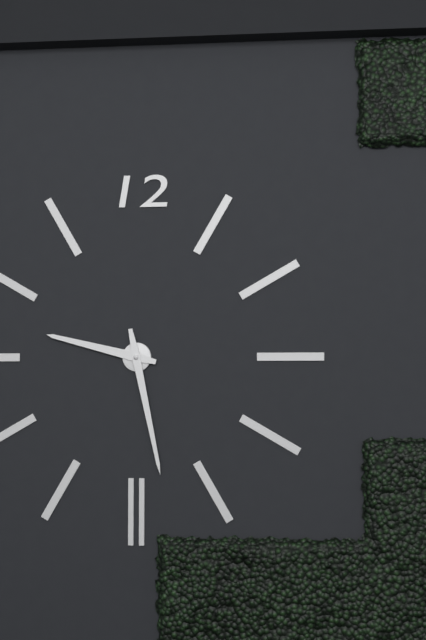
9:28
